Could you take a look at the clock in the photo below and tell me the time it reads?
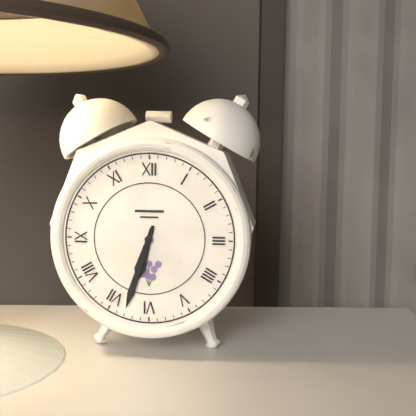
6:33
